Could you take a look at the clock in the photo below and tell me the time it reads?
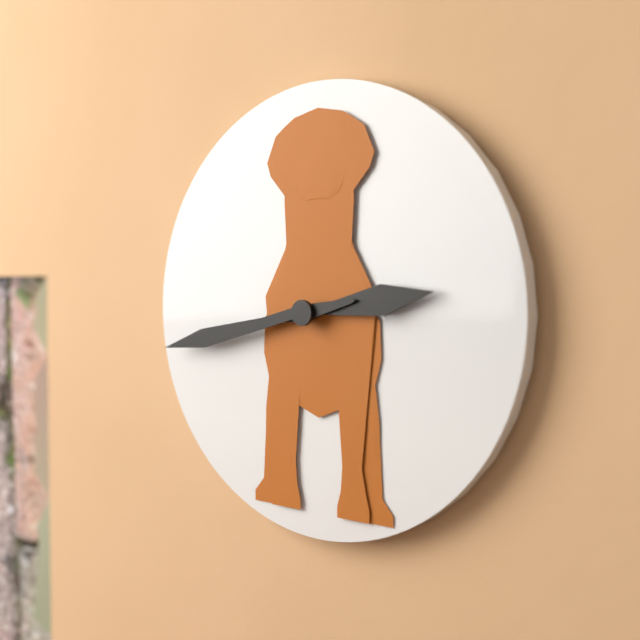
2:43
